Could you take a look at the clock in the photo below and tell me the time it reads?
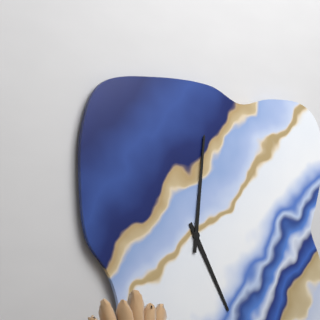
5:01
